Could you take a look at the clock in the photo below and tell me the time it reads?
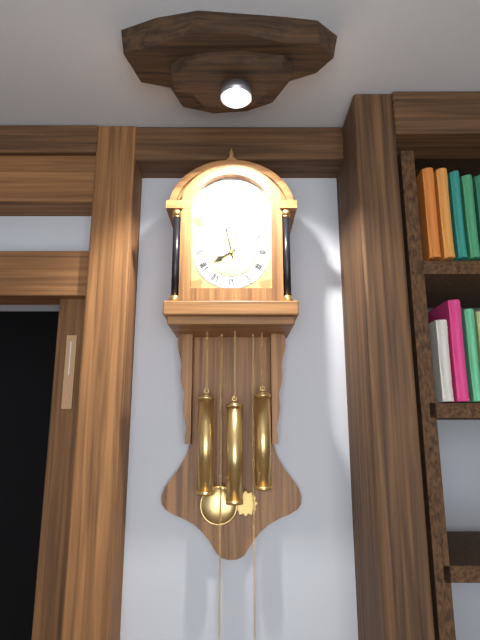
7:58
